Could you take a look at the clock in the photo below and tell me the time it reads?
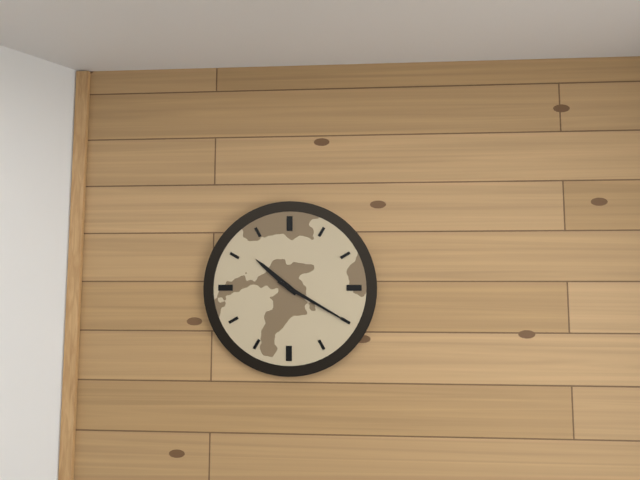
10:20
